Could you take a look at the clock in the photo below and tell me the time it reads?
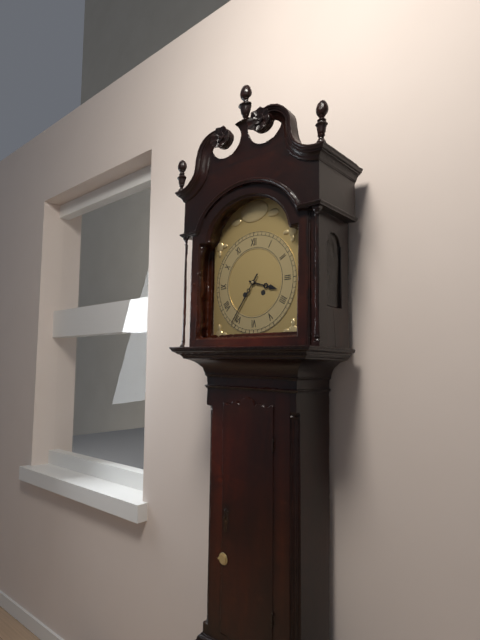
3:36
